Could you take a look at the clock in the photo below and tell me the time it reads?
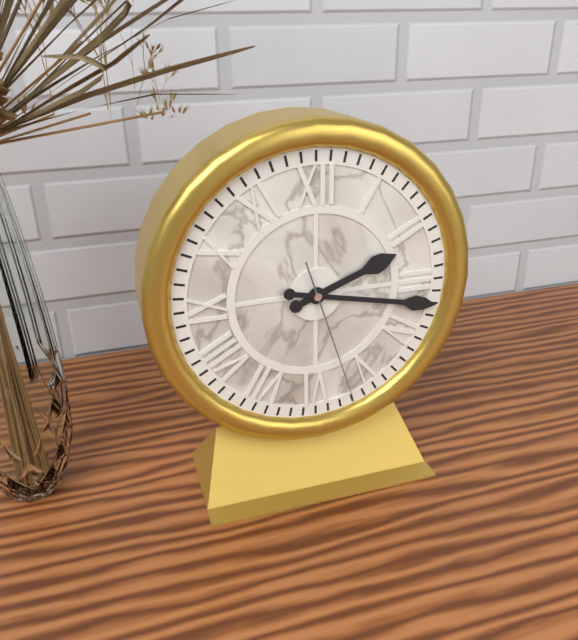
2:17:27
